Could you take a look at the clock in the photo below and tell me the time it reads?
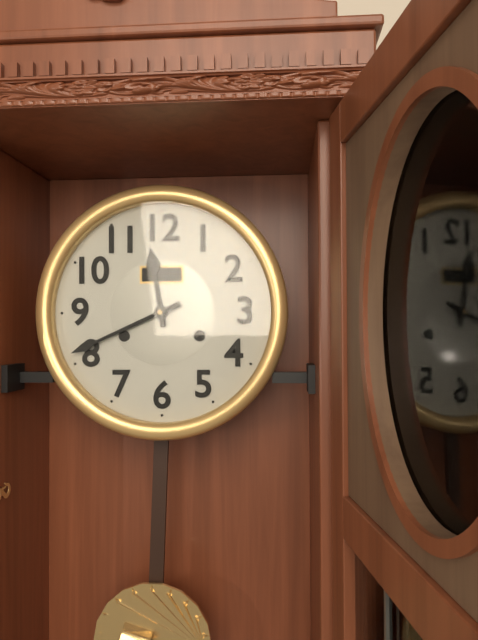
11:41
